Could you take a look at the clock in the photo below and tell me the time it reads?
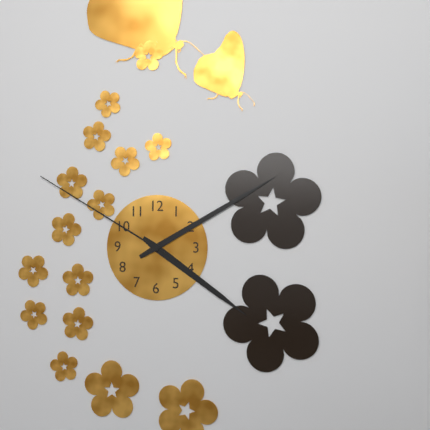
4:10:50
